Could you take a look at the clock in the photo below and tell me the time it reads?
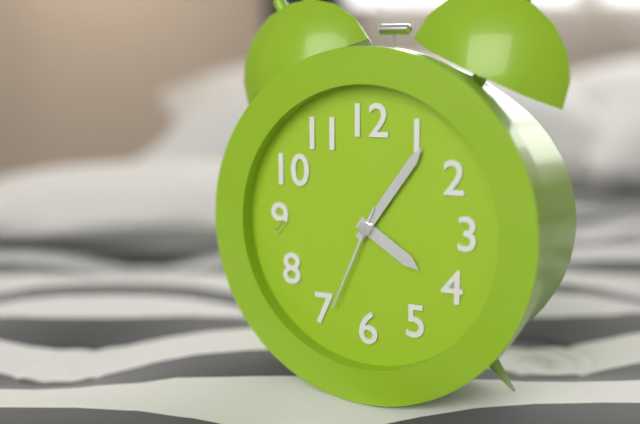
4:06:34
